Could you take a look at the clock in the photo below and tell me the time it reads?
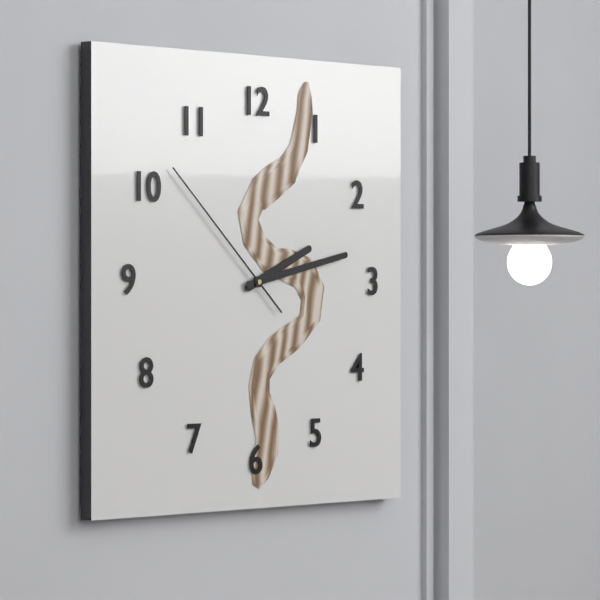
2:13:52
